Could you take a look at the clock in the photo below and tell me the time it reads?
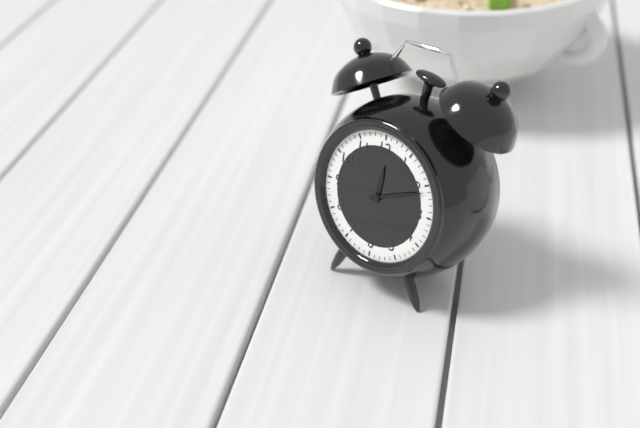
12:11
